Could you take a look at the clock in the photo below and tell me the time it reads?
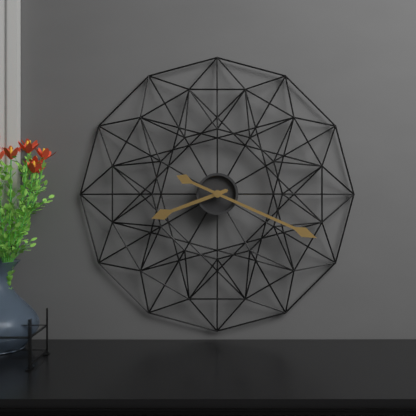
8:19
